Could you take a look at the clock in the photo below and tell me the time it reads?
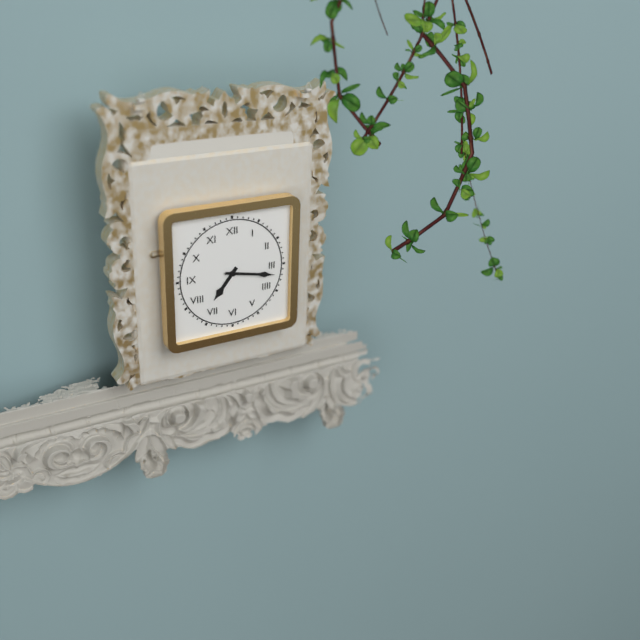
7:17
